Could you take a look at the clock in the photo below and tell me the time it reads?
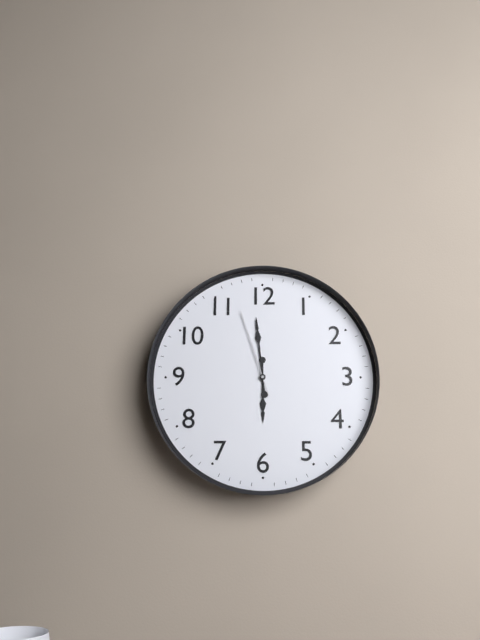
5:59:57
